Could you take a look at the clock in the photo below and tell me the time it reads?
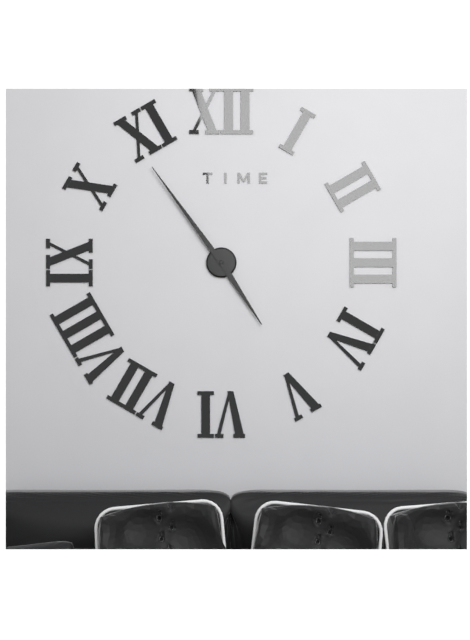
4:54
